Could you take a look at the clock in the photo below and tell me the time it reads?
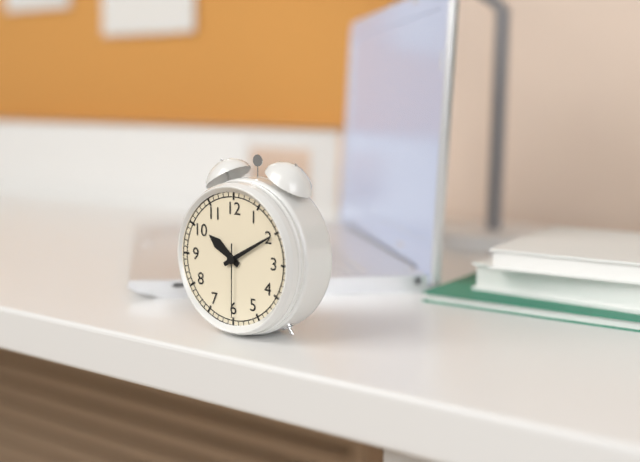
10:10:30
